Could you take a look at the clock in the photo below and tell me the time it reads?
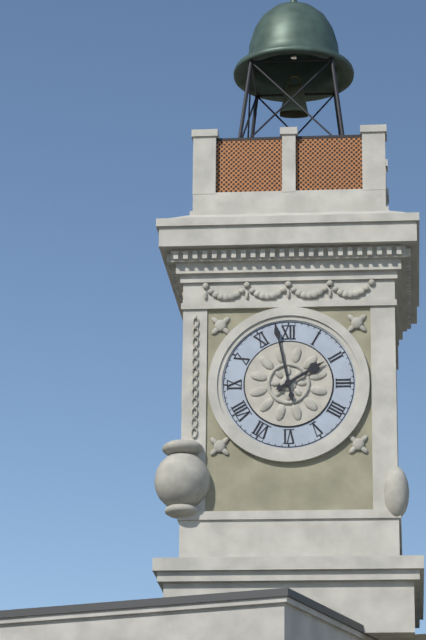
1:58
